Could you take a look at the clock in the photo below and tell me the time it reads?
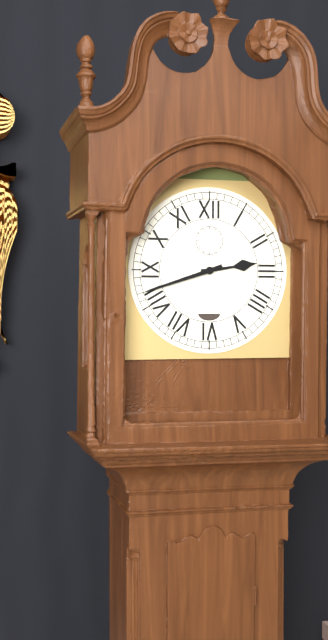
2:42
